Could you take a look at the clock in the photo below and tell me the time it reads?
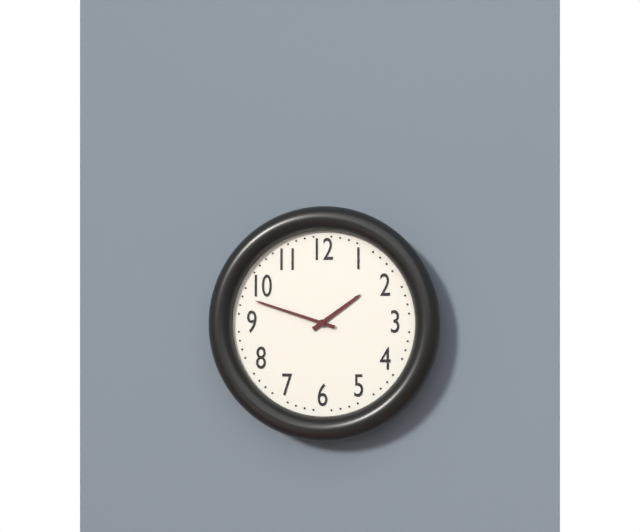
1:48
